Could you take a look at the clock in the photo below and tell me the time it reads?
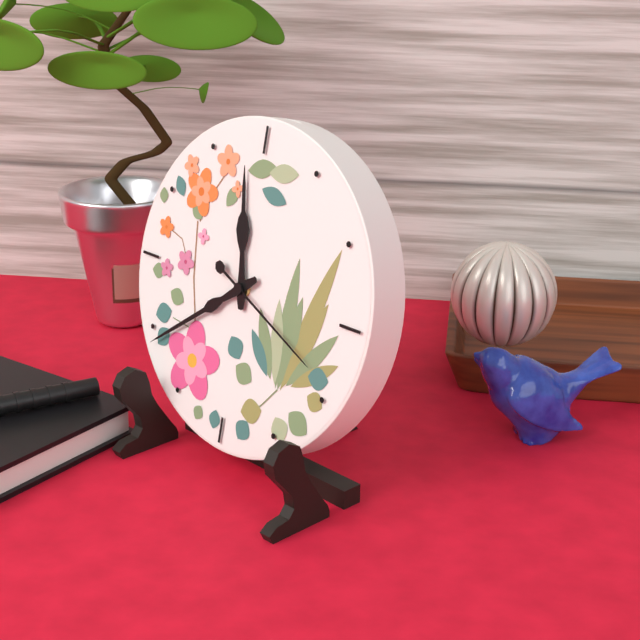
11:39:19
